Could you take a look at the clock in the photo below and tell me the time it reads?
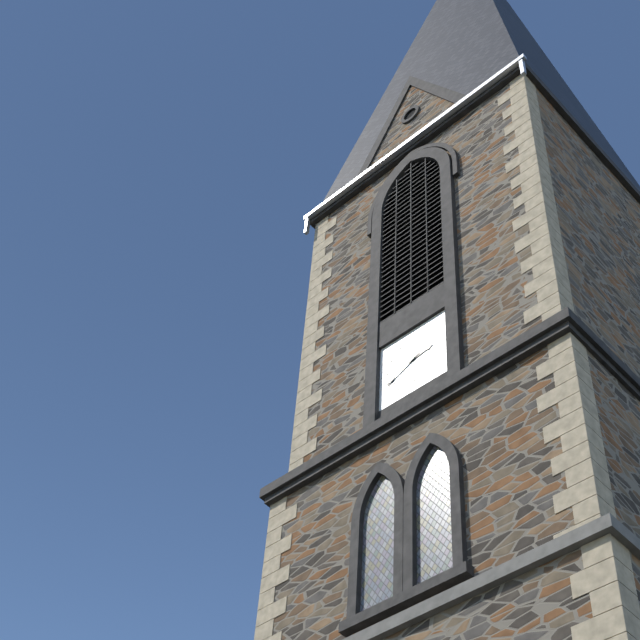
2:41
